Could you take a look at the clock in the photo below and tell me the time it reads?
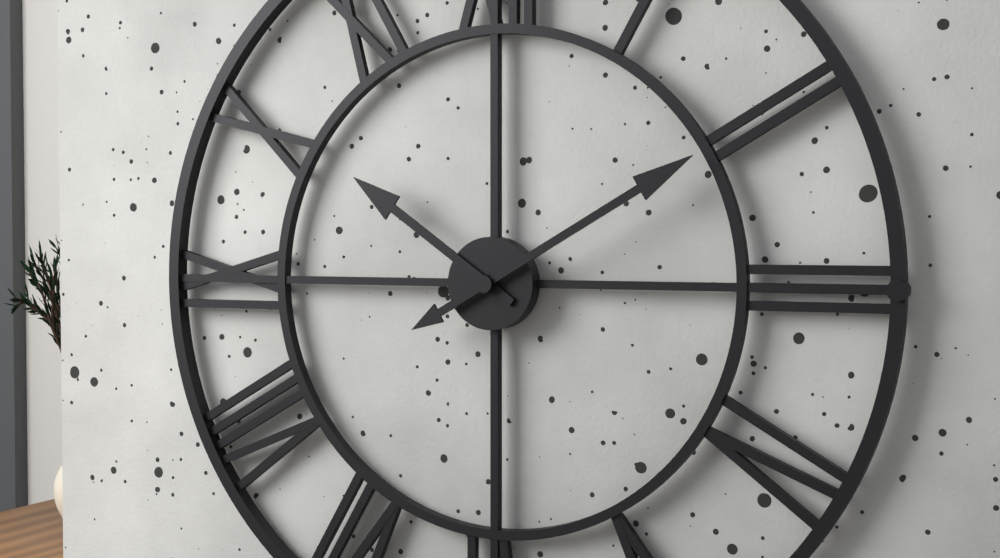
10:10
